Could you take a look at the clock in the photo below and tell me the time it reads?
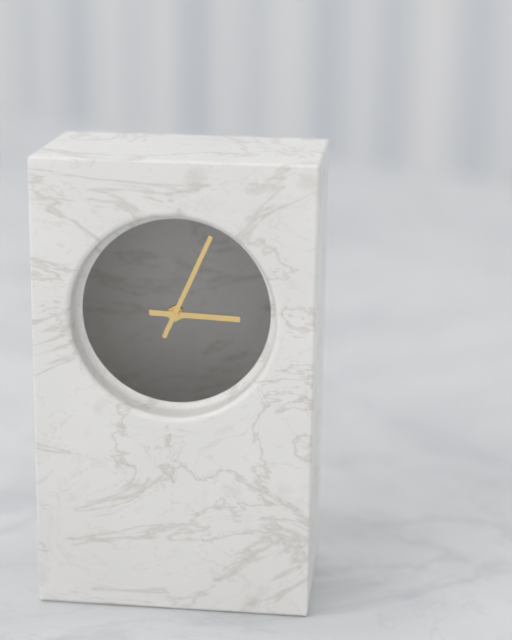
3:04
